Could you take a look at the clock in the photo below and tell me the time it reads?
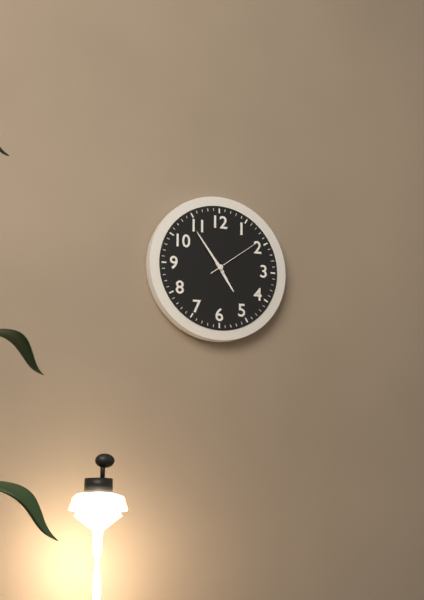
4:54:09
